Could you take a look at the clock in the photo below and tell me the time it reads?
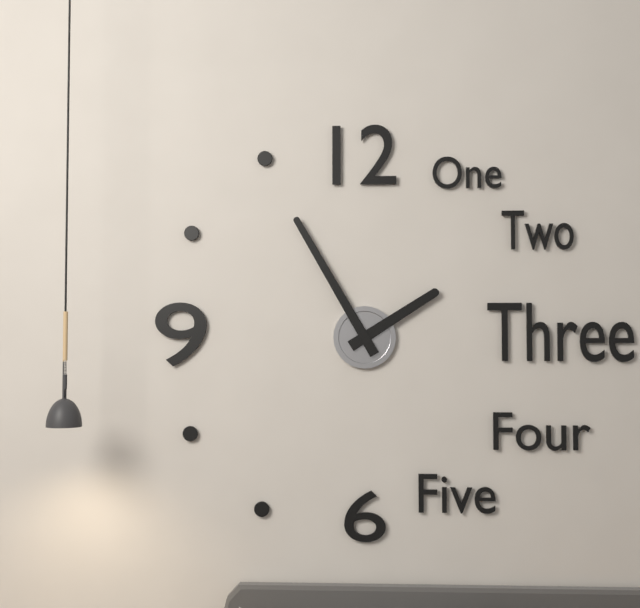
1:55
